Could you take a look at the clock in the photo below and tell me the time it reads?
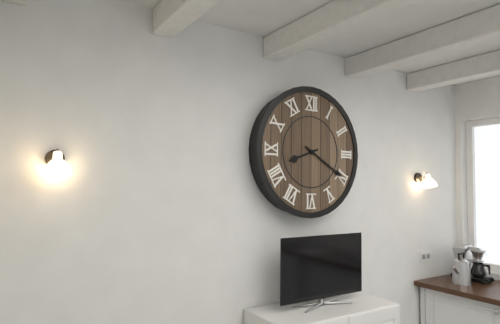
8:20
